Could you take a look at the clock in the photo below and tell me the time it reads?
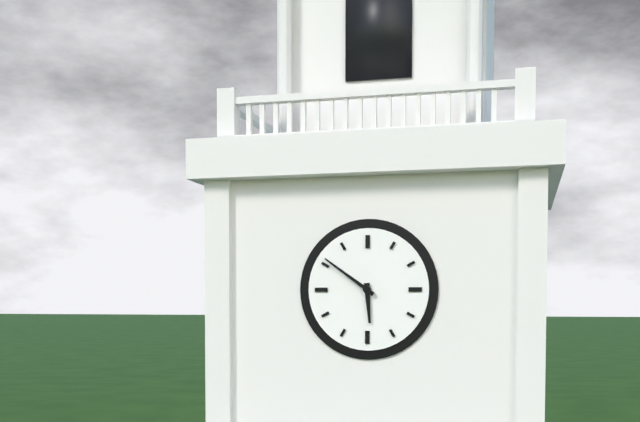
5:51
